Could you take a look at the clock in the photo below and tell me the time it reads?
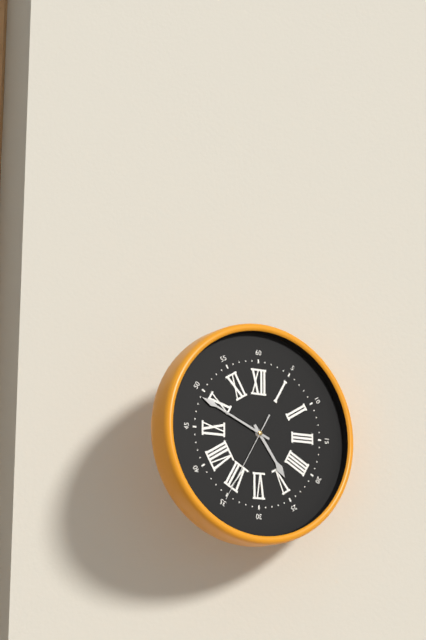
4:49:35
